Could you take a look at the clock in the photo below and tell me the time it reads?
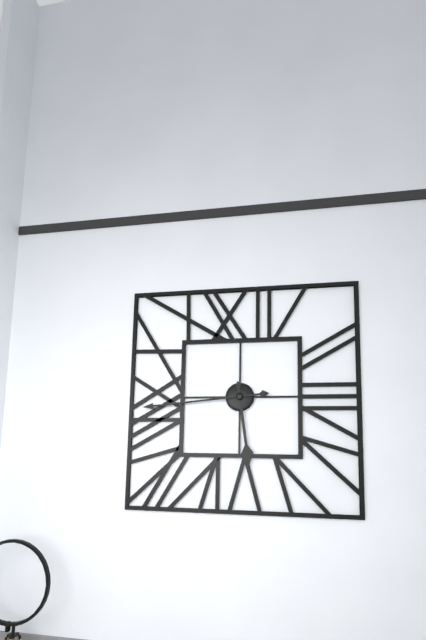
5:44
